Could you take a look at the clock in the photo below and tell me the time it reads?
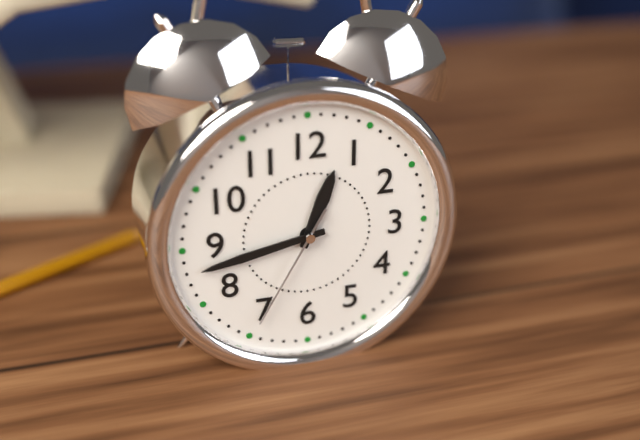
12:43:35
